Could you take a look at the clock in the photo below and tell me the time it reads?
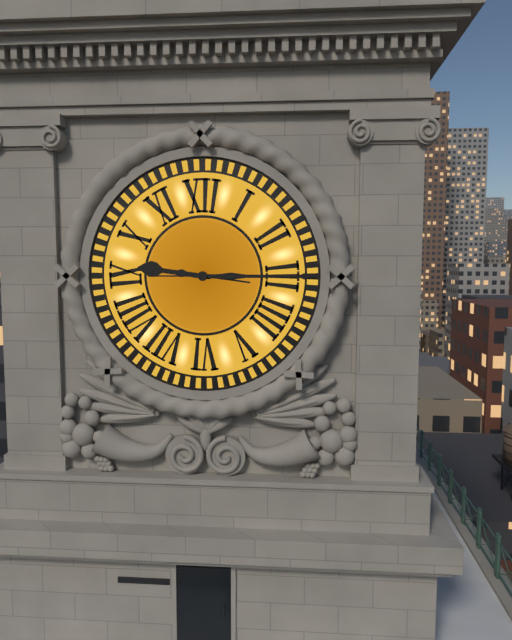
9:15
